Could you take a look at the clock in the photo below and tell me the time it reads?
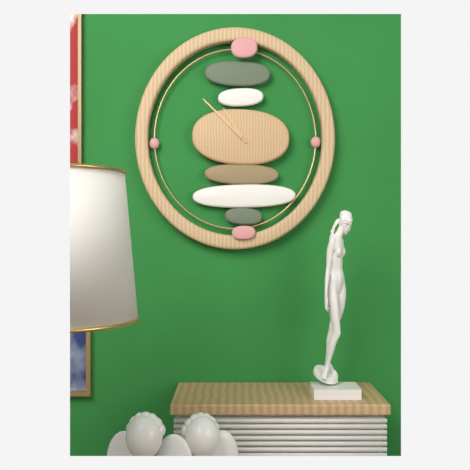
10:52
